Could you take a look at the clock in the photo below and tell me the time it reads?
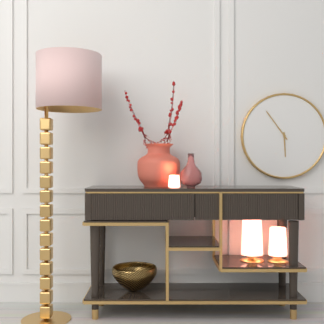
5:54
